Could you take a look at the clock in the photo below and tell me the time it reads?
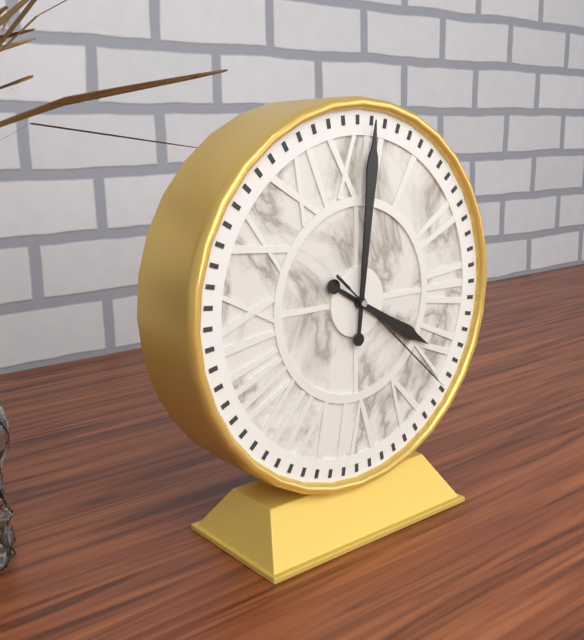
4:01:22
